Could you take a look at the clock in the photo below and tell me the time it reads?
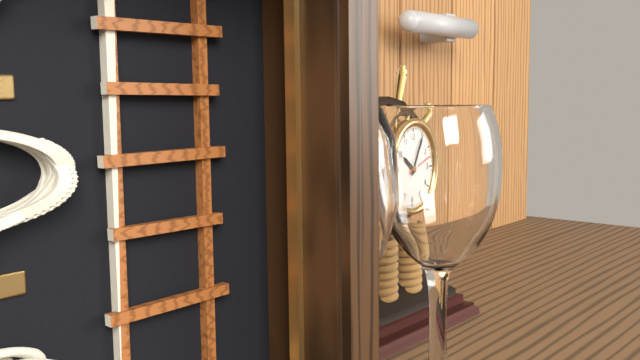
10:05
